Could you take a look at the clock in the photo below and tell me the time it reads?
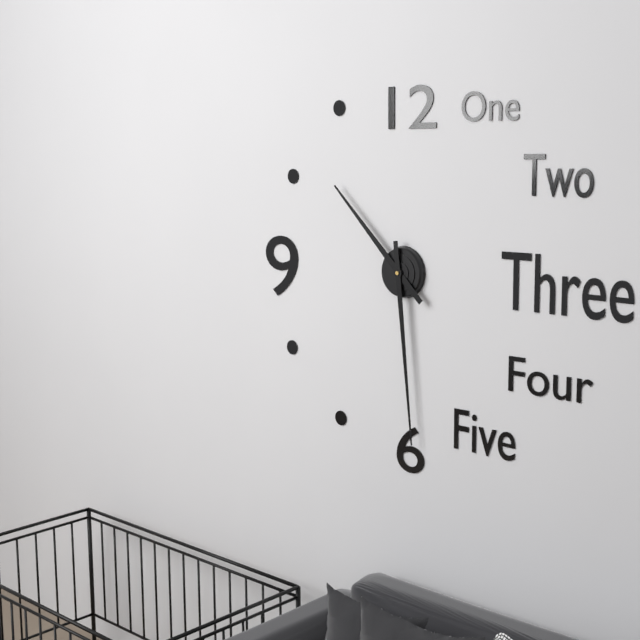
10:29
